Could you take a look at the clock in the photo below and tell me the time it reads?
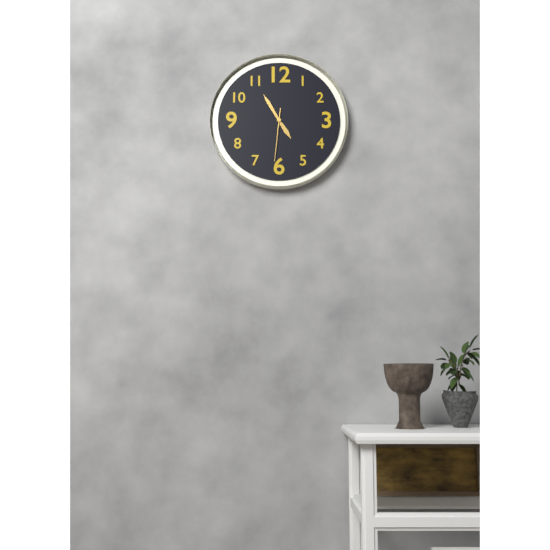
4:55:31
